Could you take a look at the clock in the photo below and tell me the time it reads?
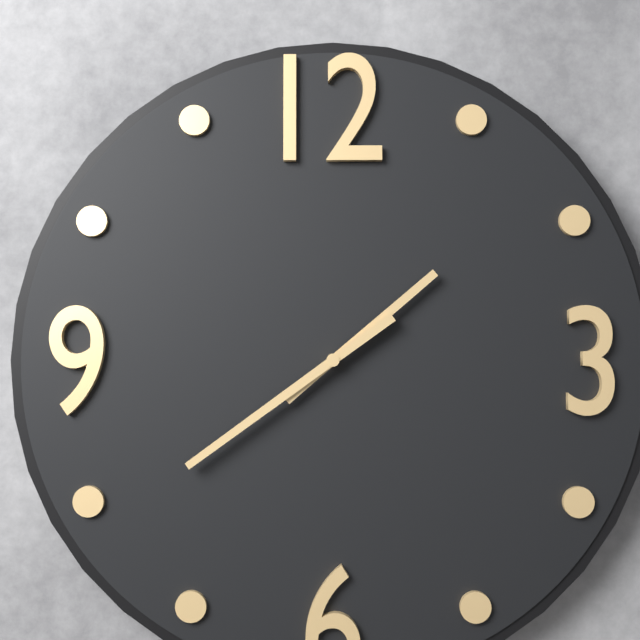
1:39
